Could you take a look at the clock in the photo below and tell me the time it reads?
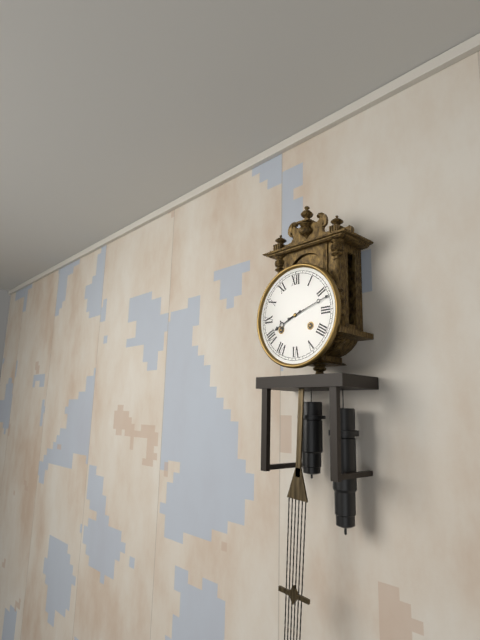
8:12
